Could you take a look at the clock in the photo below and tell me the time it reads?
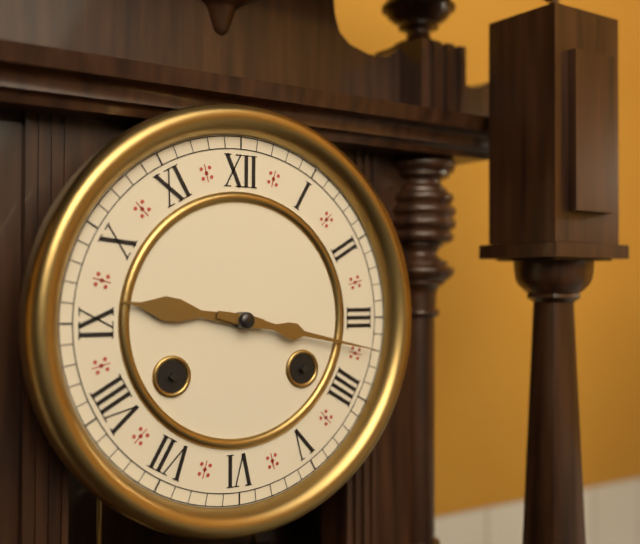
9:17
